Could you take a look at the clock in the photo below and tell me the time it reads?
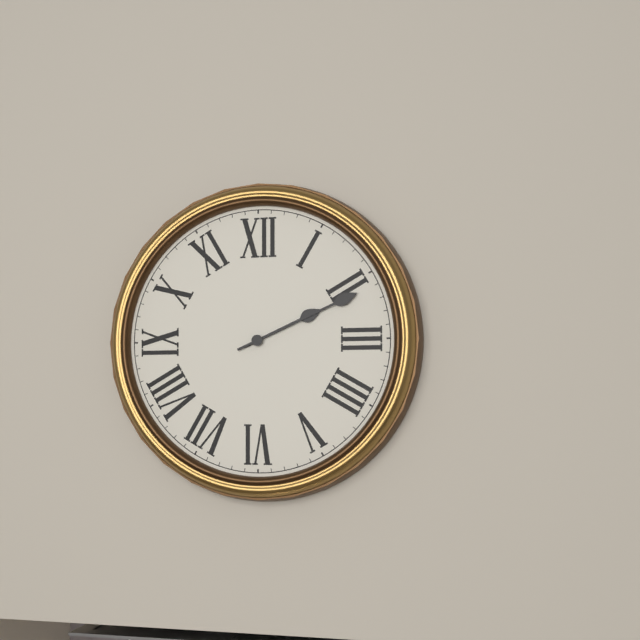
2:11
